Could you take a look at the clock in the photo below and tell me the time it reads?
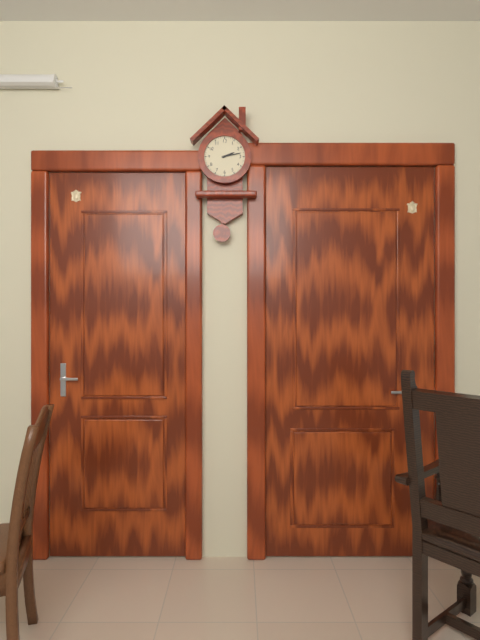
2:13
